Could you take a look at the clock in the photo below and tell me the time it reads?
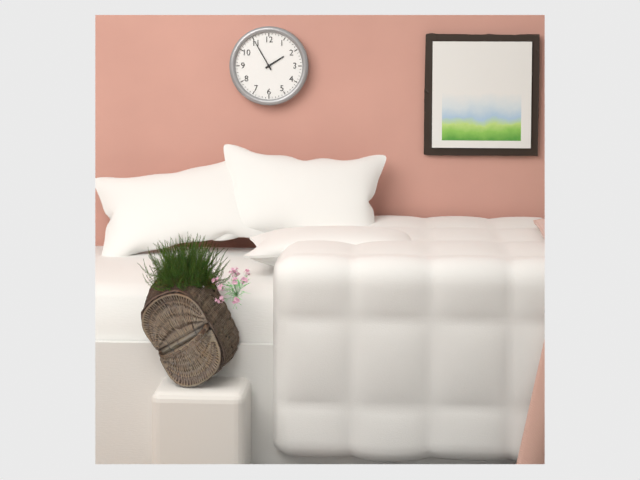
1:55
